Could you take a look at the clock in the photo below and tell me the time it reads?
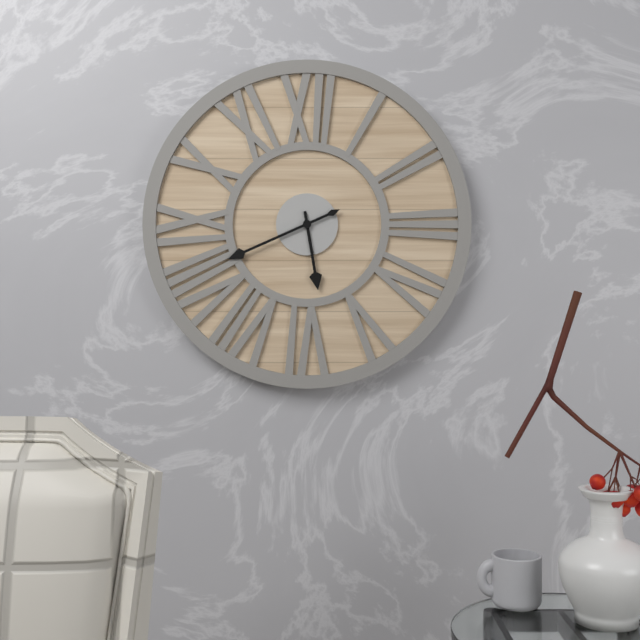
5:41
